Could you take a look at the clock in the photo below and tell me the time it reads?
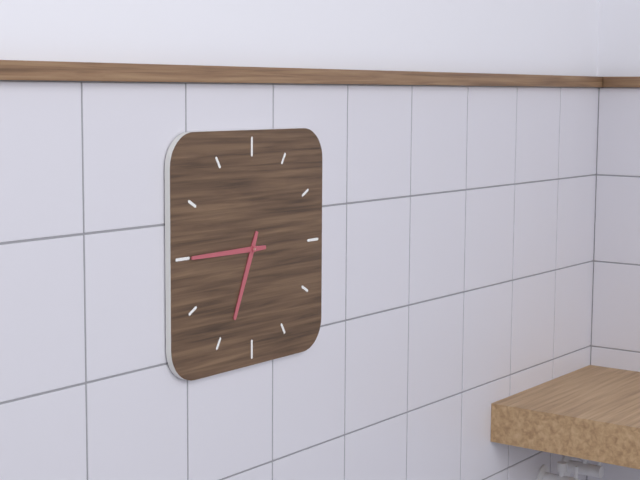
6:45
